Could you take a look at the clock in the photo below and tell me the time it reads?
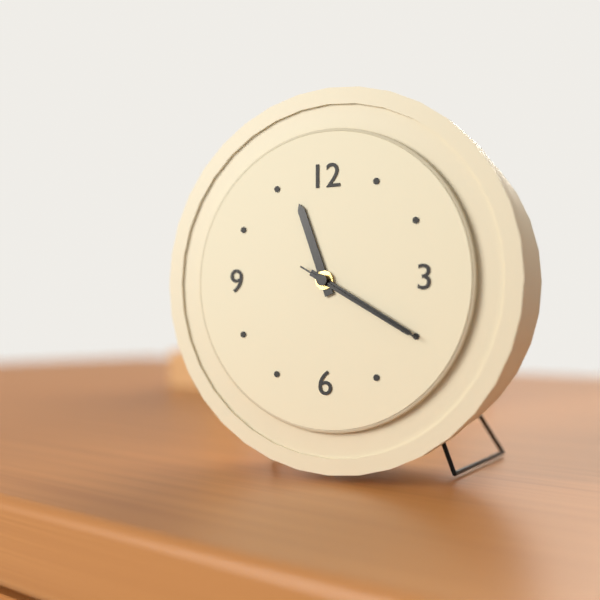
11:20:20
